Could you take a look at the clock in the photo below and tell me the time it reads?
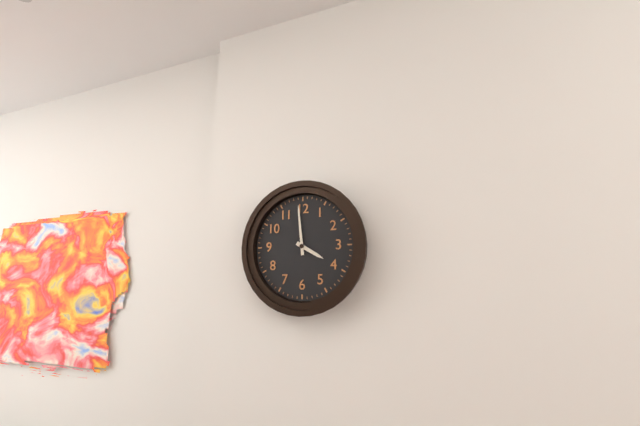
3:59
